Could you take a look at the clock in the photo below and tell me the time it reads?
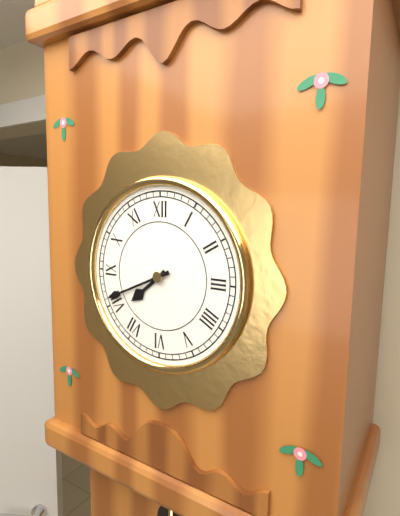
7:41
